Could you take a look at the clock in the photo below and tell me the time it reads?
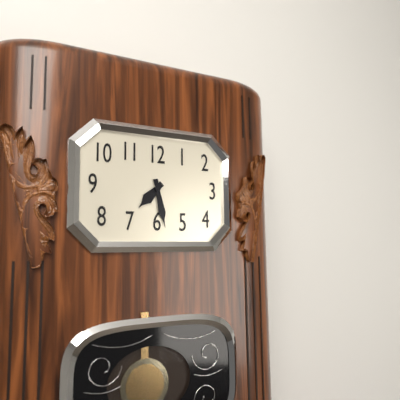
7:28
